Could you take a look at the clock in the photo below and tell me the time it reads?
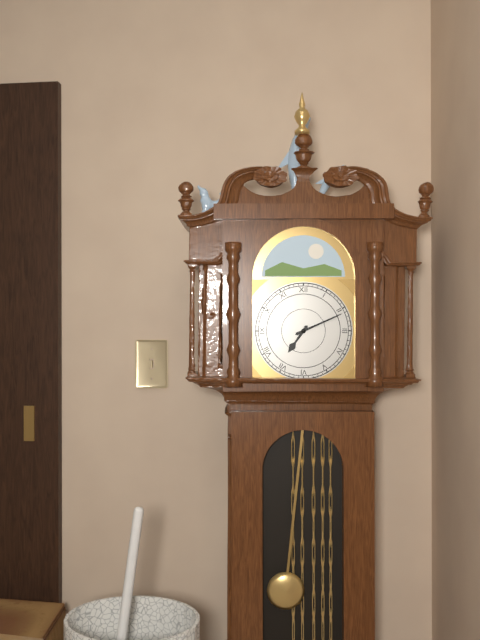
7:11
